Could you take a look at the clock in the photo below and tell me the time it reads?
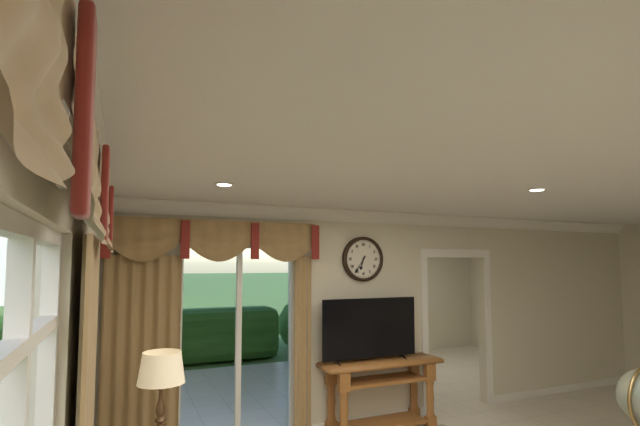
6:36
